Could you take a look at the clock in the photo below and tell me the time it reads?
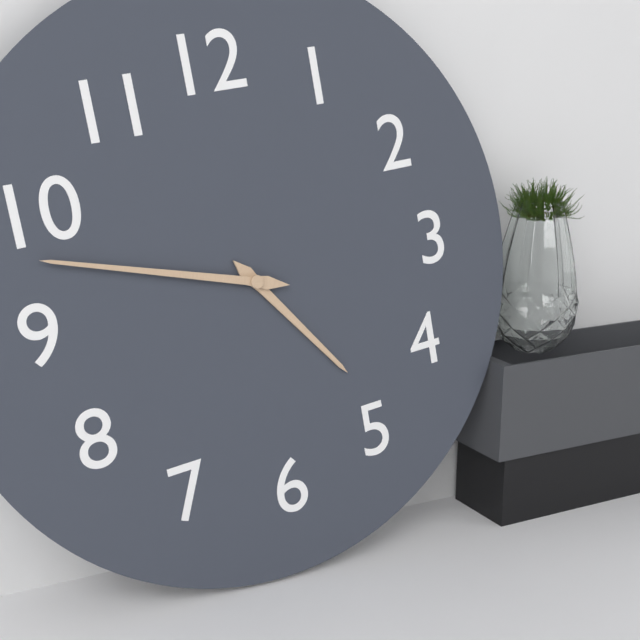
4:48
